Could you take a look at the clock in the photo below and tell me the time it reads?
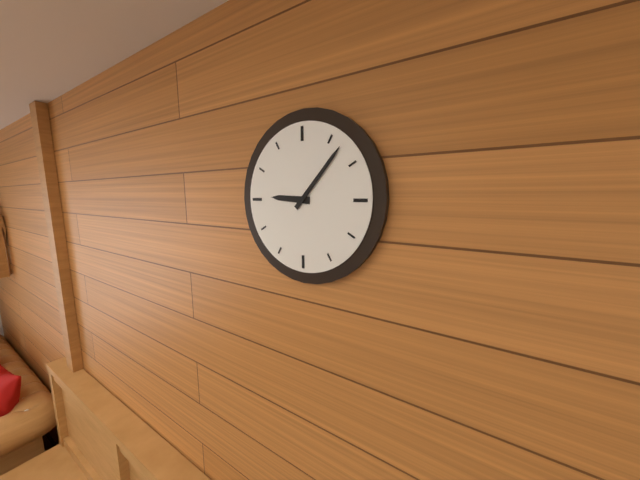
9:07
